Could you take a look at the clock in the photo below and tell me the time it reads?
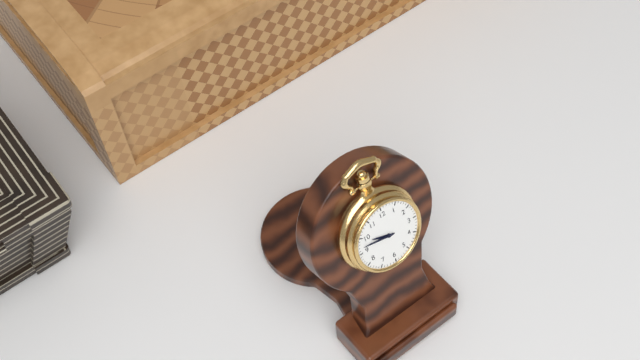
9:47
